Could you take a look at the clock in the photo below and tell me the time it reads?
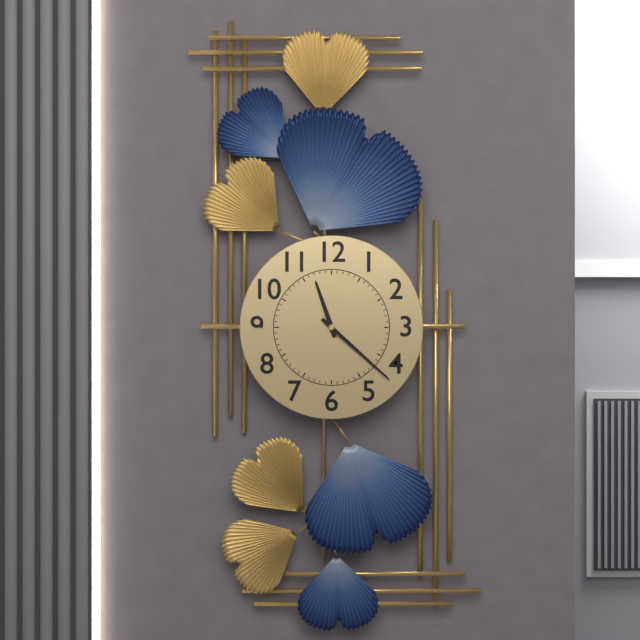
11:22
